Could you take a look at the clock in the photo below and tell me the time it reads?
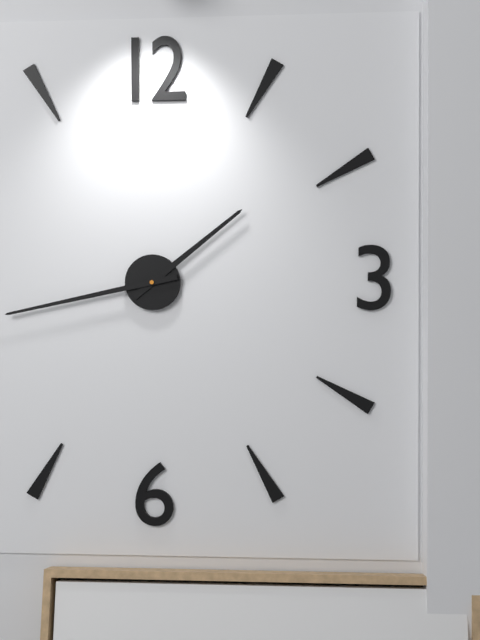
1:43
